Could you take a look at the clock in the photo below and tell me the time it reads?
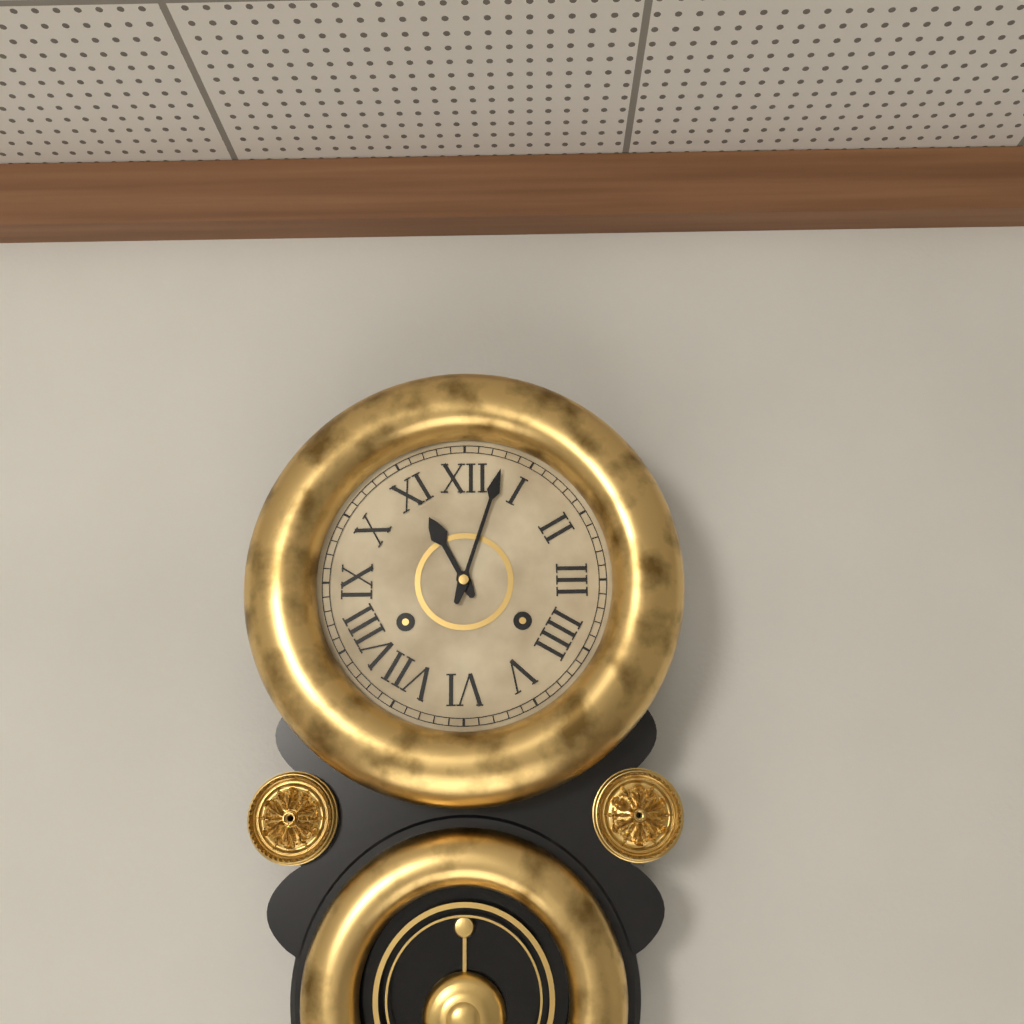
11:03
